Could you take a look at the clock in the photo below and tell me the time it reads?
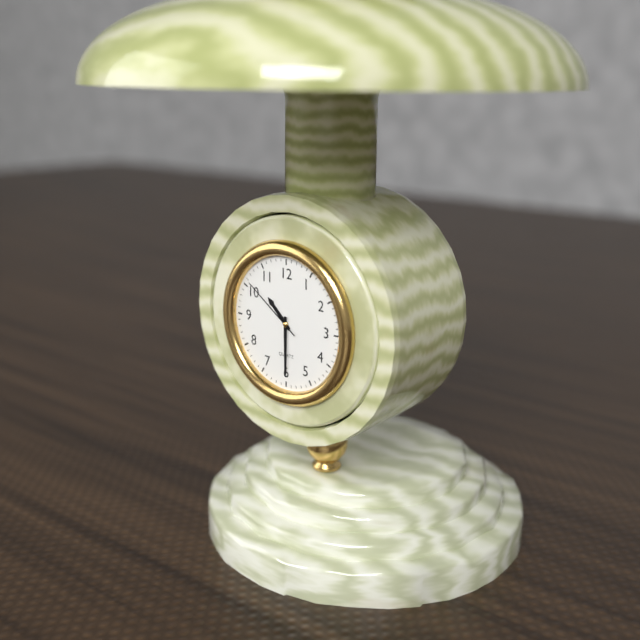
10:30:51
